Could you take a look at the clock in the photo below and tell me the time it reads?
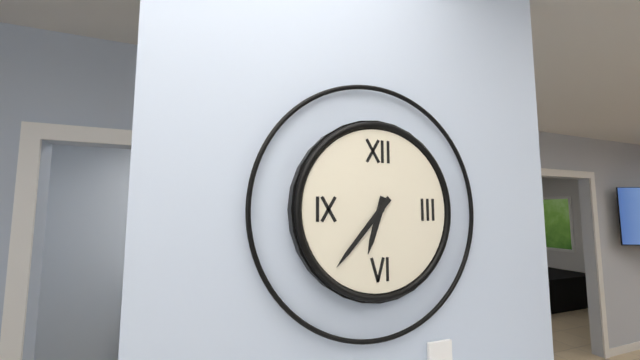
6:37
